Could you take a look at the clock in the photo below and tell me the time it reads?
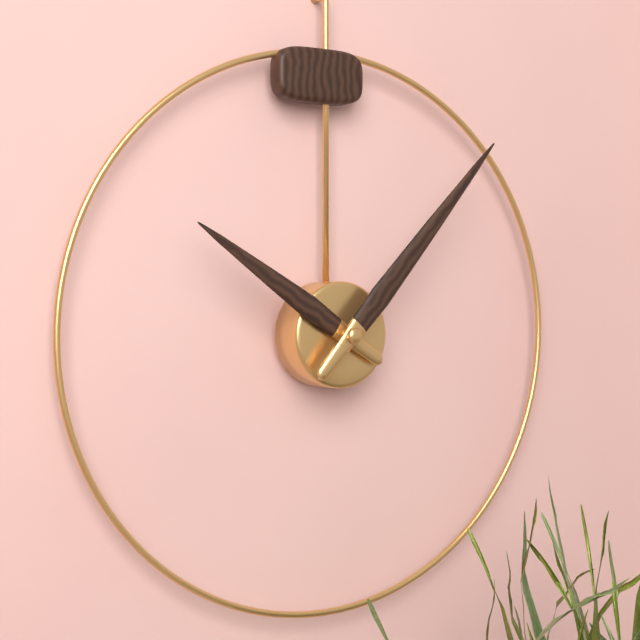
10:07
